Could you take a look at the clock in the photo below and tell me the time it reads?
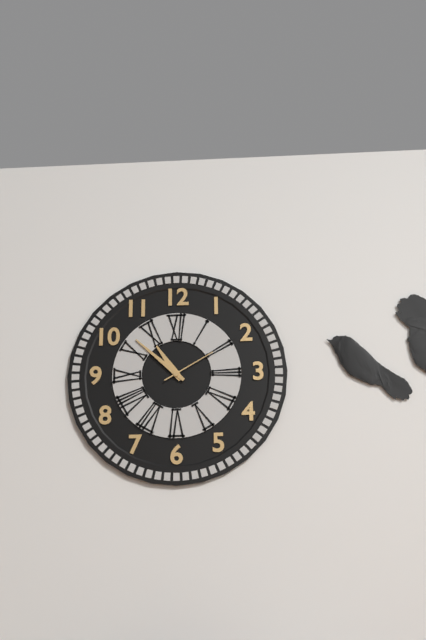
10:52:10
